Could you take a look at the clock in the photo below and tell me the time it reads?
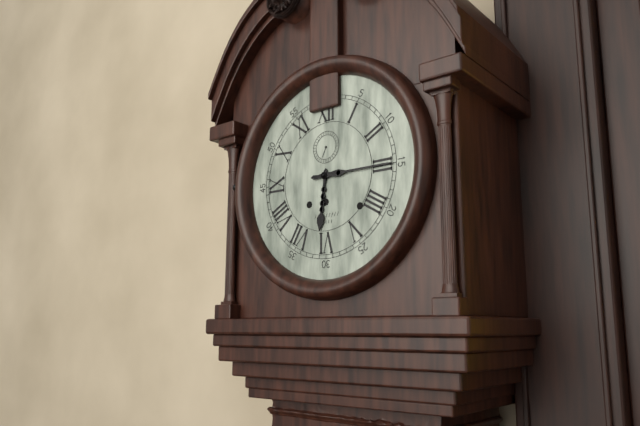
6:15
